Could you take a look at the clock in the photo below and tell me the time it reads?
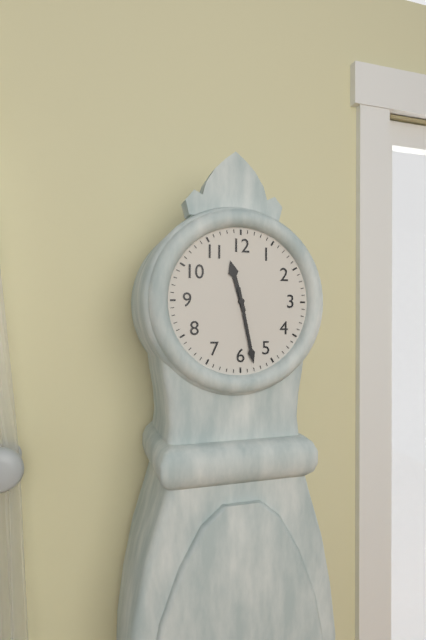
11:28
